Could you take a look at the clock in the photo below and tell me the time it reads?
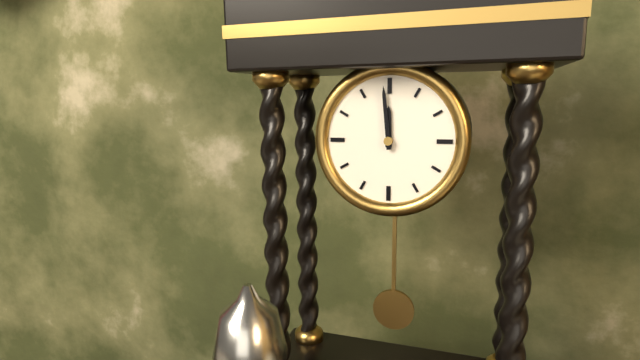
11:59
